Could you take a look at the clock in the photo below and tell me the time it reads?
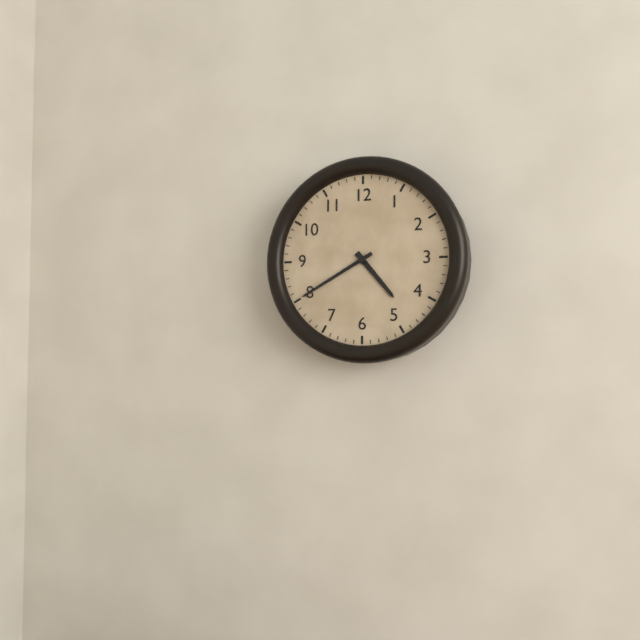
4:40
